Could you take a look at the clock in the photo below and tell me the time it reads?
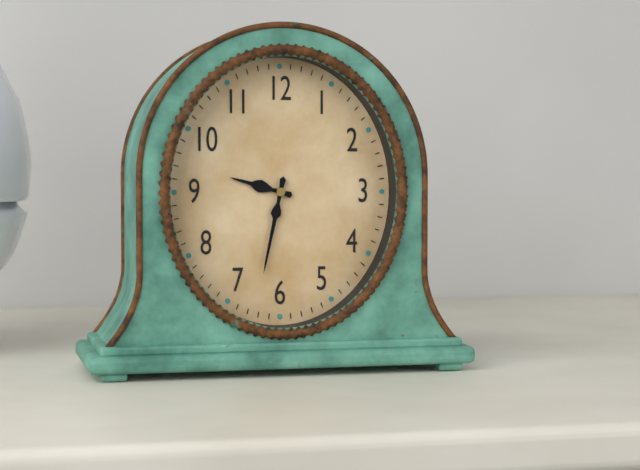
9:32
